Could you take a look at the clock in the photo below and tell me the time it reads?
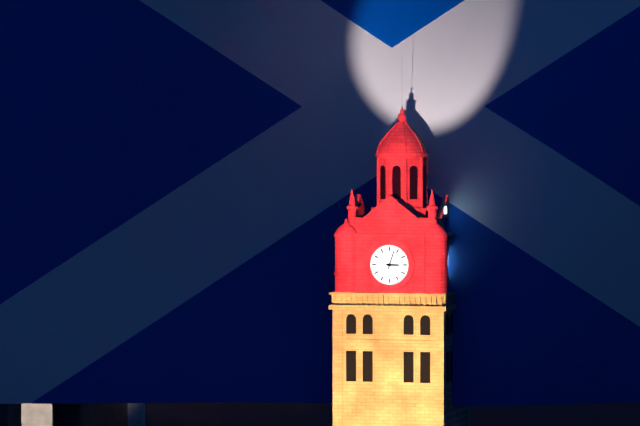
3:03
